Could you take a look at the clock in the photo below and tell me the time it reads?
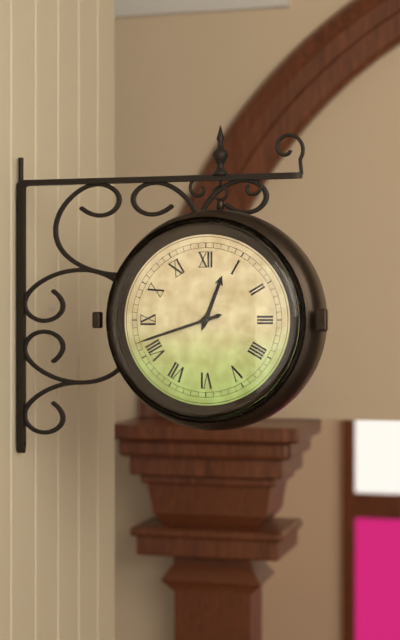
12:42
